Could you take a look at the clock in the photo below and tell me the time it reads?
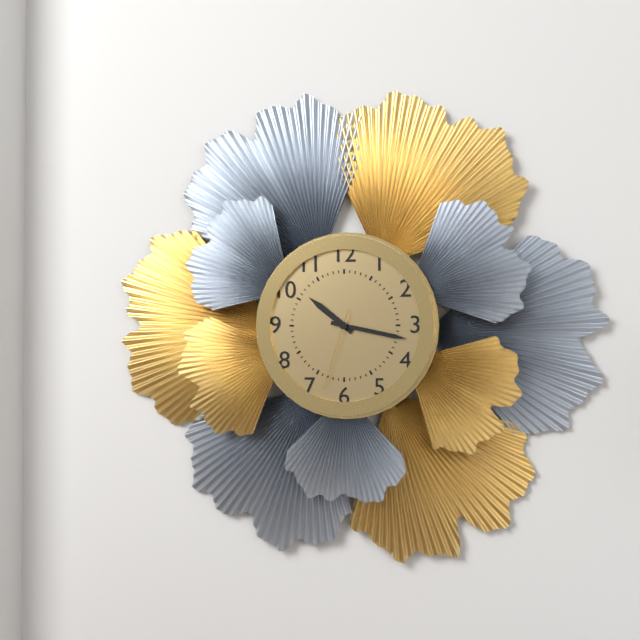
10:17:33
